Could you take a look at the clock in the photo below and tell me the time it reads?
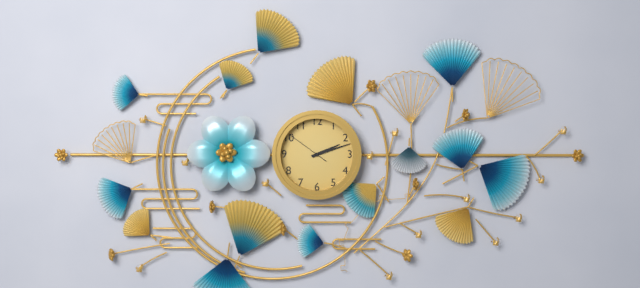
2:12
